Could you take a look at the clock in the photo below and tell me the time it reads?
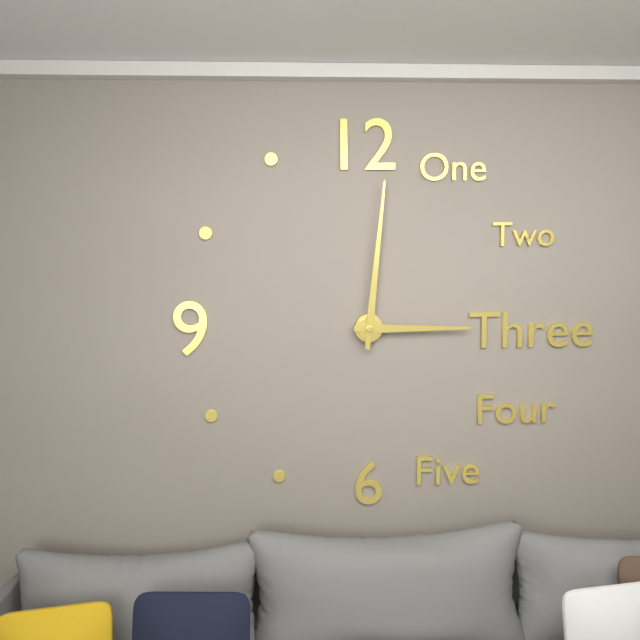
3:01
